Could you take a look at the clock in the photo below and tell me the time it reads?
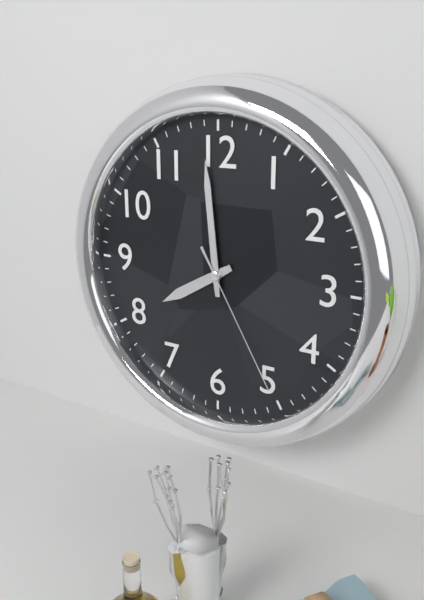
7:59:25
